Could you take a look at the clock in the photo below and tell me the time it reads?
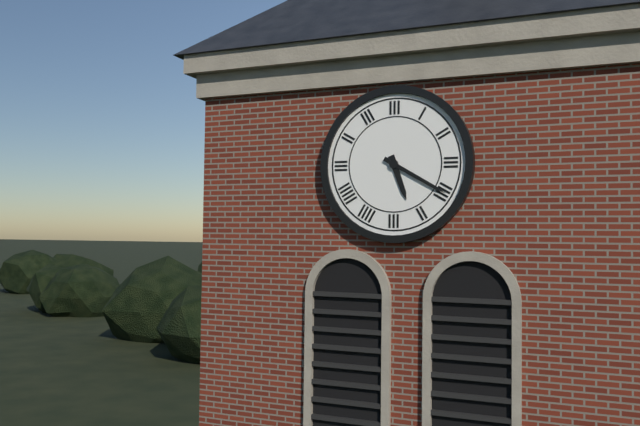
5:20
